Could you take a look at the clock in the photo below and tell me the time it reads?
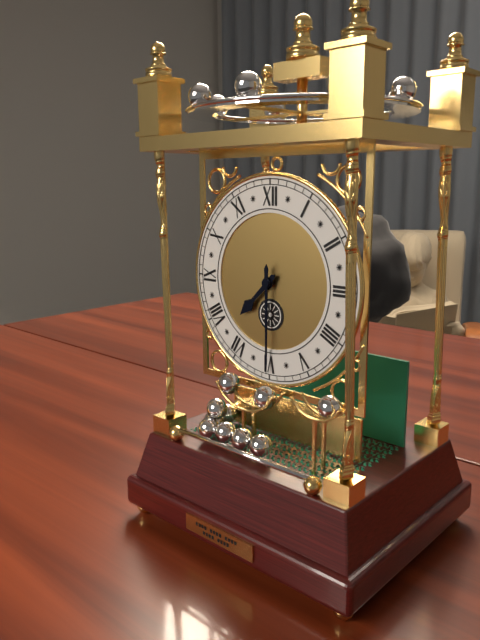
7:30
